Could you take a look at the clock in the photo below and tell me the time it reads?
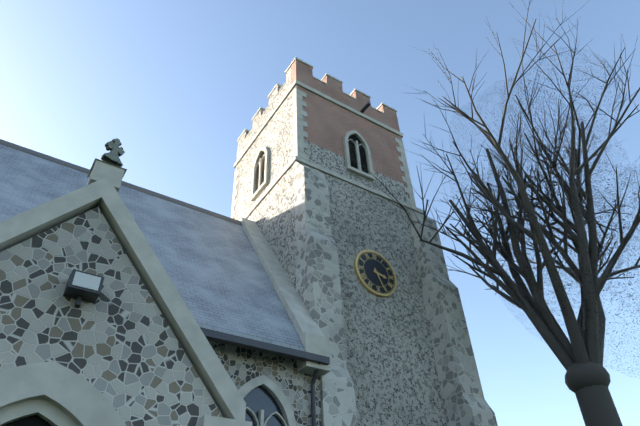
3:26
